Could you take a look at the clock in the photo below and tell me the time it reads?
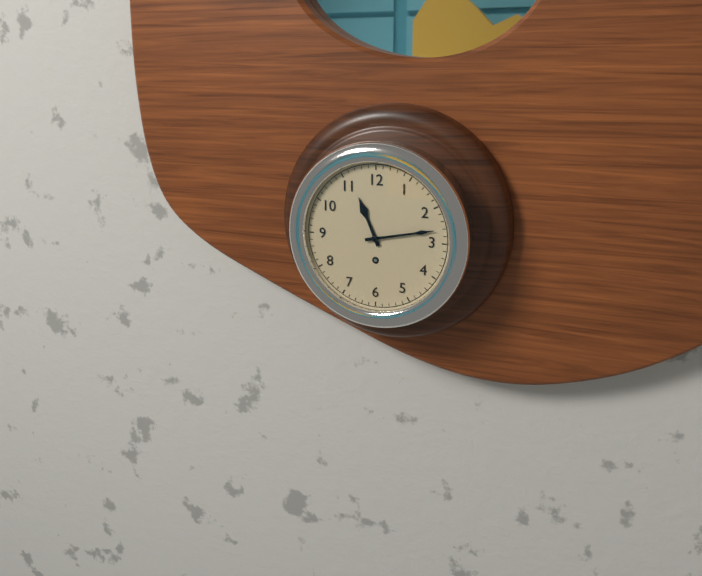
11:13
